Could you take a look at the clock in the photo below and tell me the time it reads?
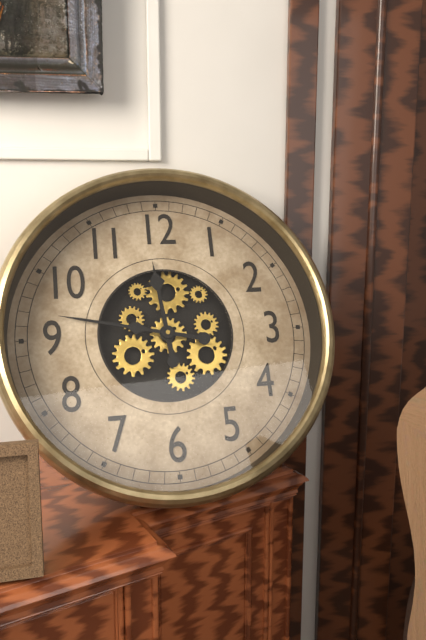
11:47
